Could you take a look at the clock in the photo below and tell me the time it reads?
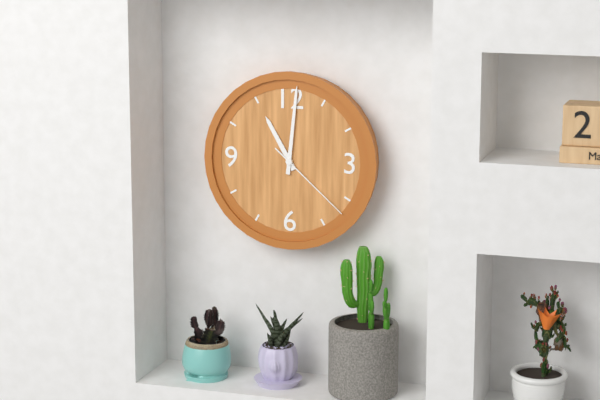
11:01:22
